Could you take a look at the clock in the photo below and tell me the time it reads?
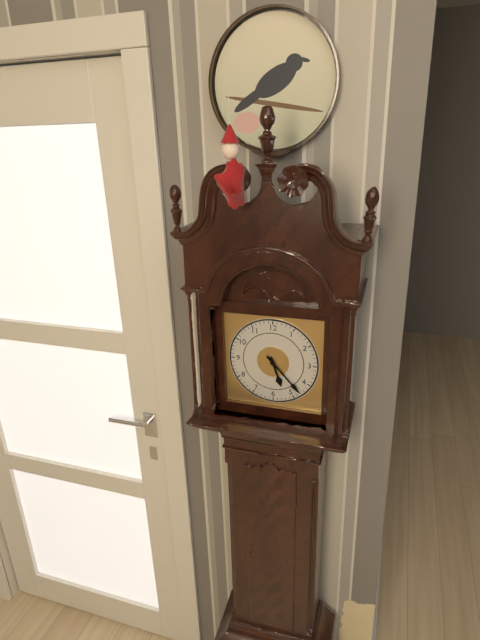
5:23
